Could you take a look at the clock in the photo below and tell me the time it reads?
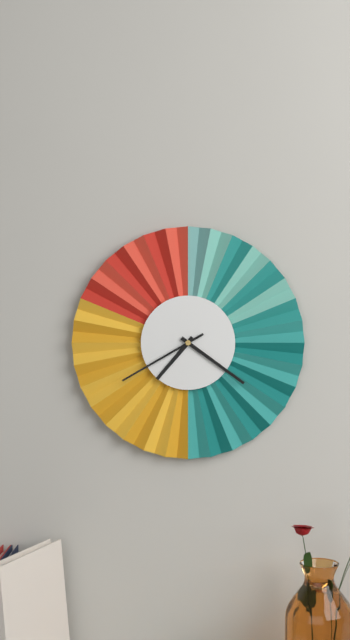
7:21:40
